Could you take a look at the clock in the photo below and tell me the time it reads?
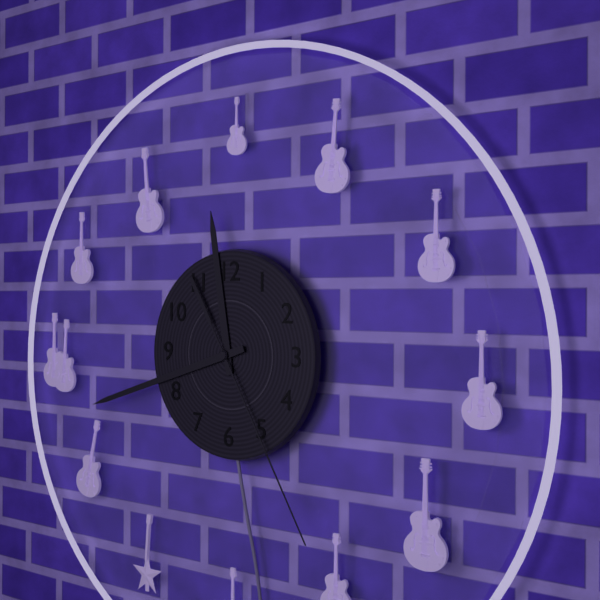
11:42:25
